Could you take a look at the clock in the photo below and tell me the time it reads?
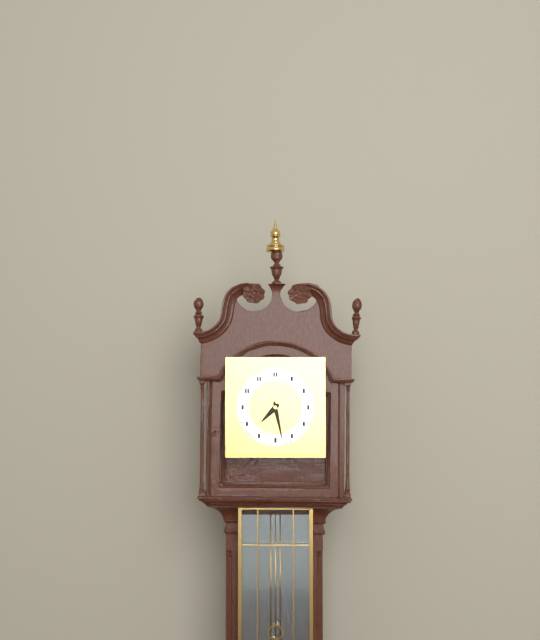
7:28
